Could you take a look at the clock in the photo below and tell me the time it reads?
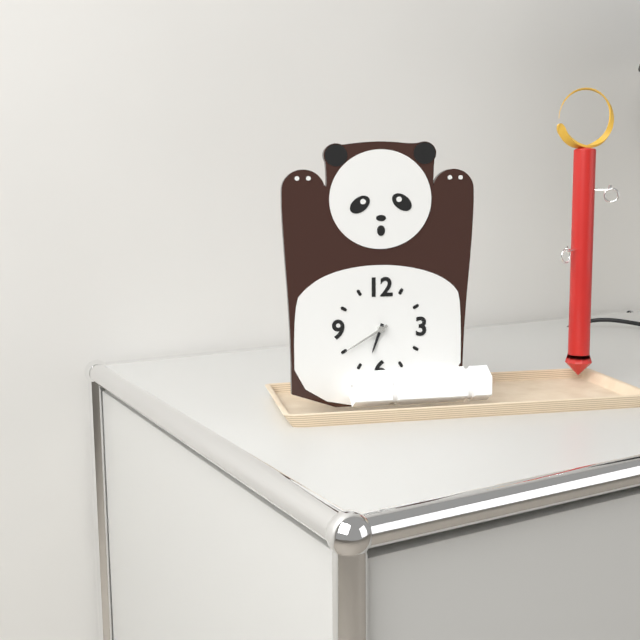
6:40
